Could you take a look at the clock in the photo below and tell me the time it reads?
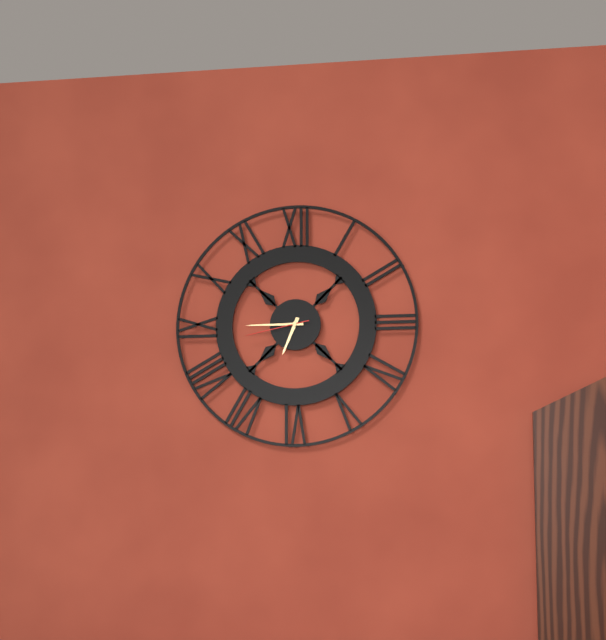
6:45:43
